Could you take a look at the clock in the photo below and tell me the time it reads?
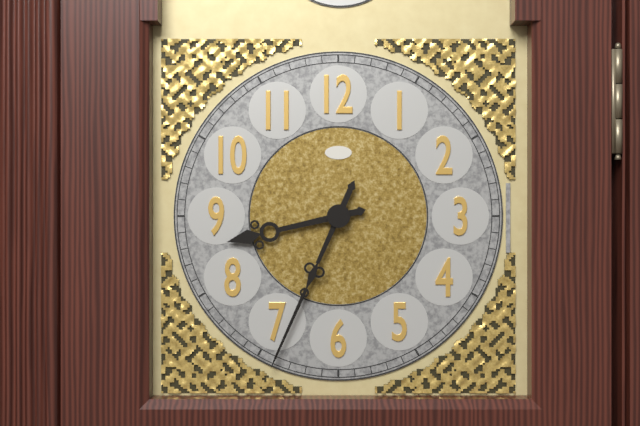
8:34
